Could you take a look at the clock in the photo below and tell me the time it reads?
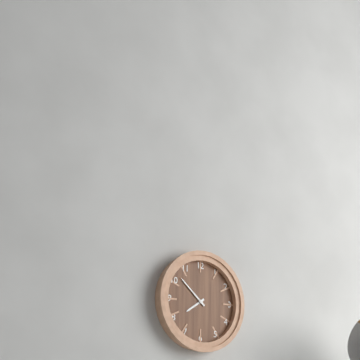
7:52
